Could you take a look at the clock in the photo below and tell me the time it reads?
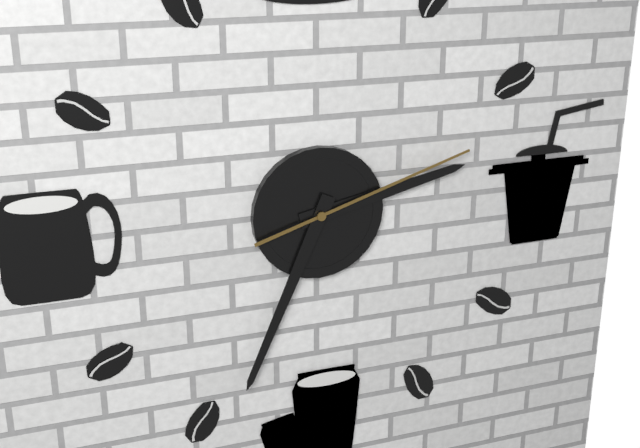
2:34:12
